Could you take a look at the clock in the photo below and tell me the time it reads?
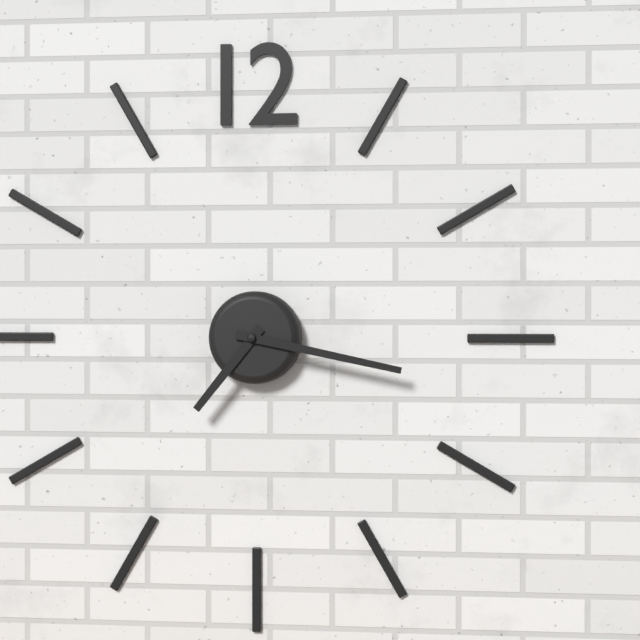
7:17
